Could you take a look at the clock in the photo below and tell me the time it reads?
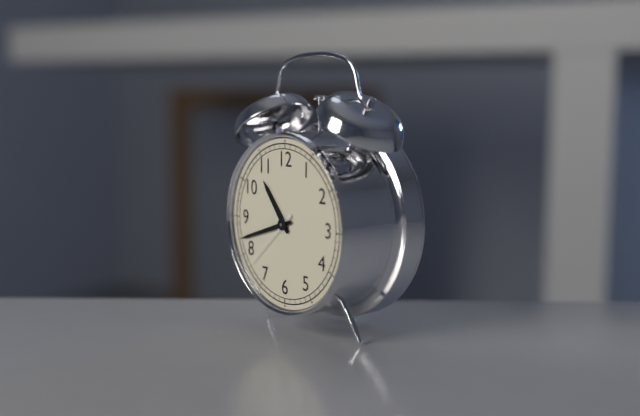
10:42:38
